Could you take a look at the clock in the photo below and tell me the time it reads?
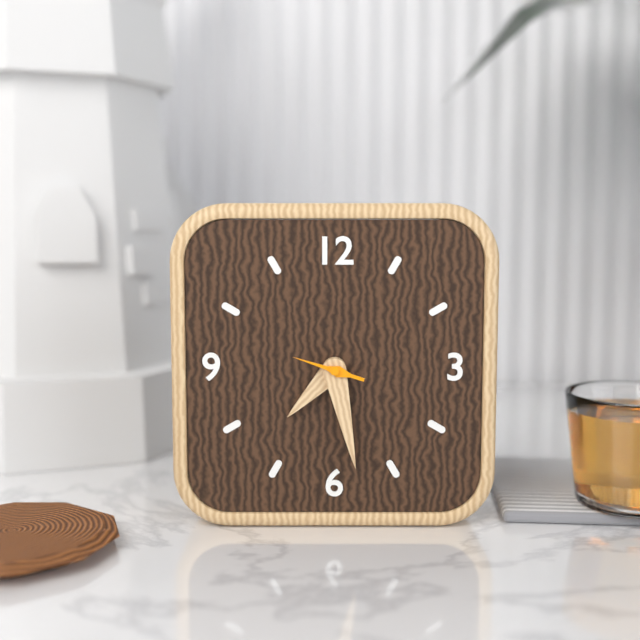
7:28:48
